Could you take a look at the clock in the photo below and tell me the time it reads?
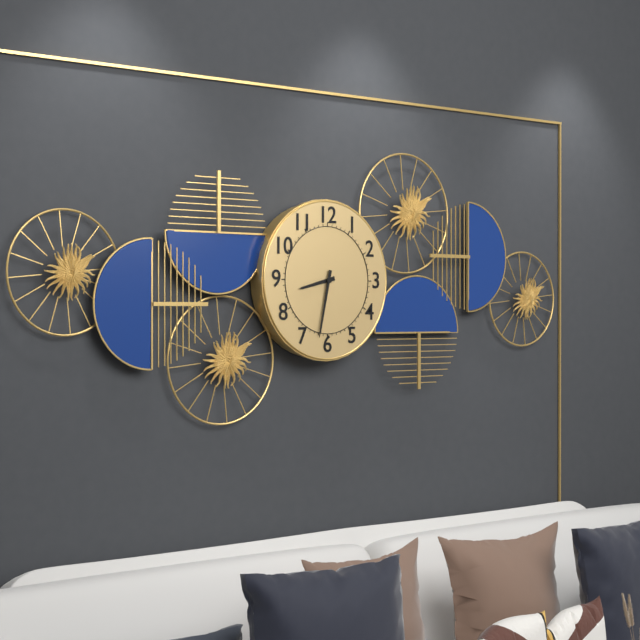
8:32
